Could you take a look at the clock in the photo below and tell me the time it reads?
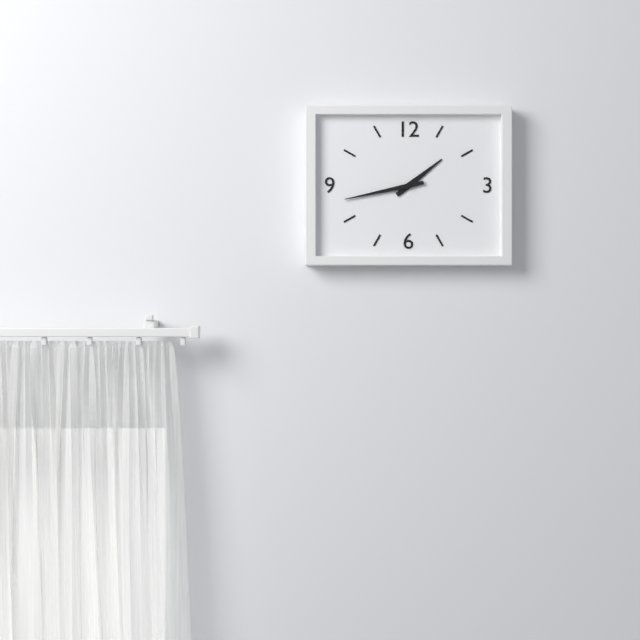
1:43
